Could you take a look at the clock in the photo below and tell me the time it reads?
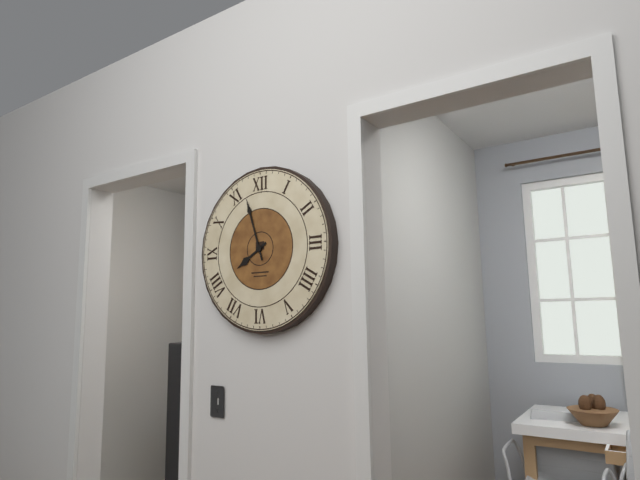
7:57
